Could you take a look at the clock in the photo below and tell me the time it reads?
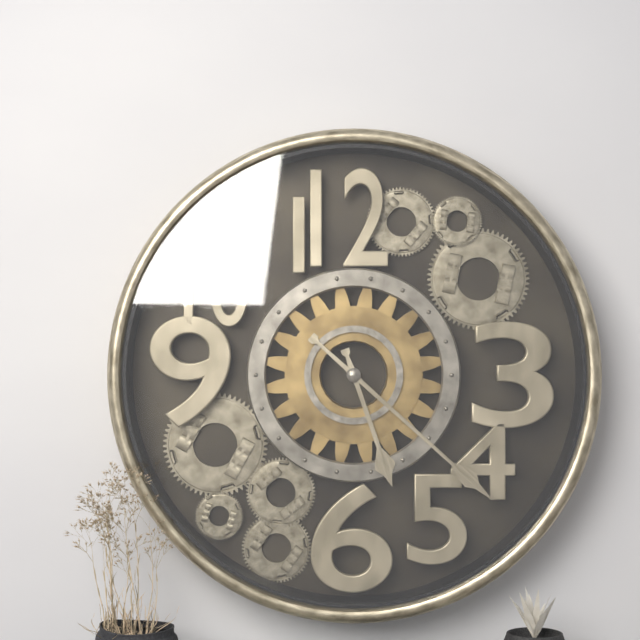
5:22
